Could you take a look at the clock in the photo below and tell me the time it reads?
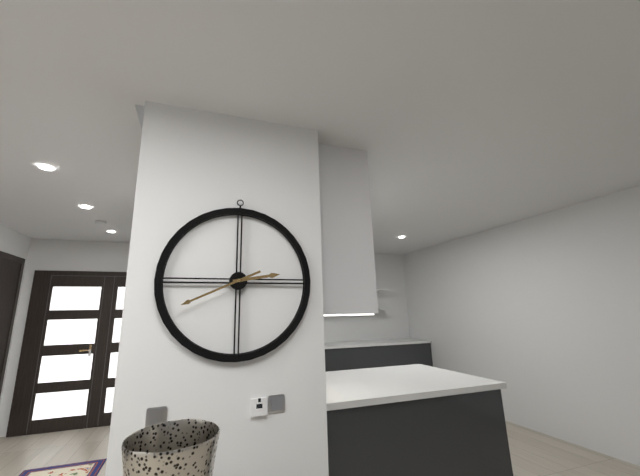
2:41
